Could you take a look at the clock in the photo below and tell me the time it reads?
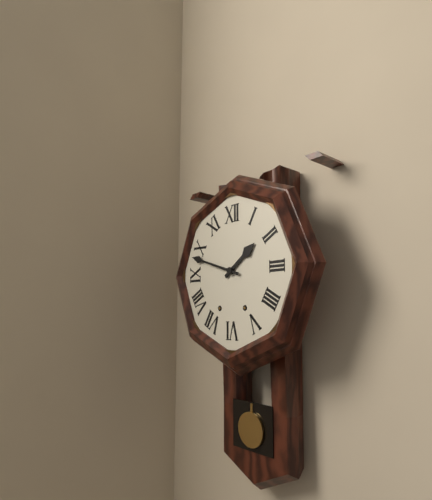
1:48
